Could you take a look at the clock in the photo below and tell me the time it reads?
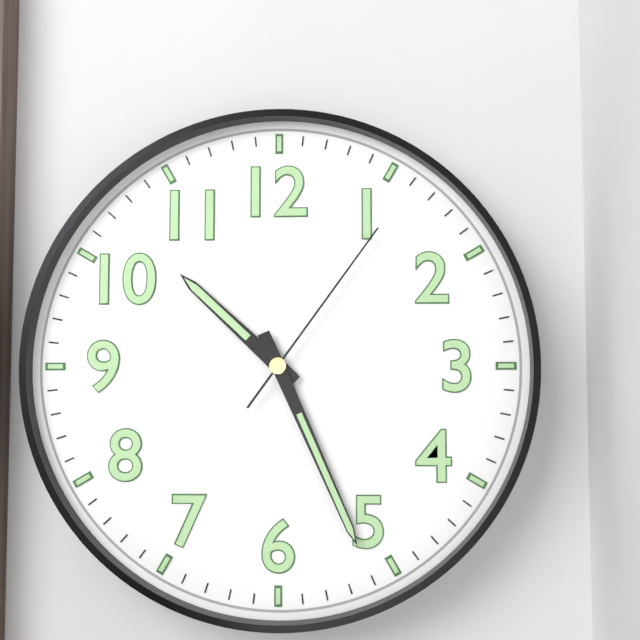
10:26:06
